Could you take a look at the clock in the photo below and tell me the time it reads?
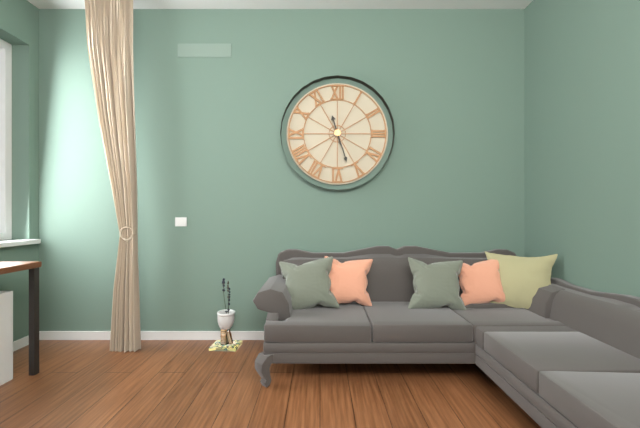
11:27
